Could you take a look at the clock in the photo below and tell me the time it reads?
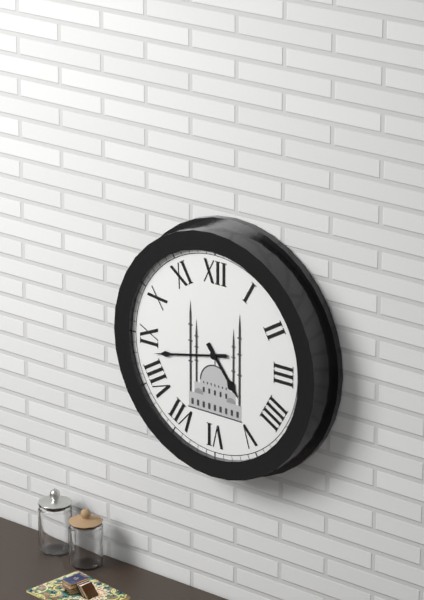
4:43
